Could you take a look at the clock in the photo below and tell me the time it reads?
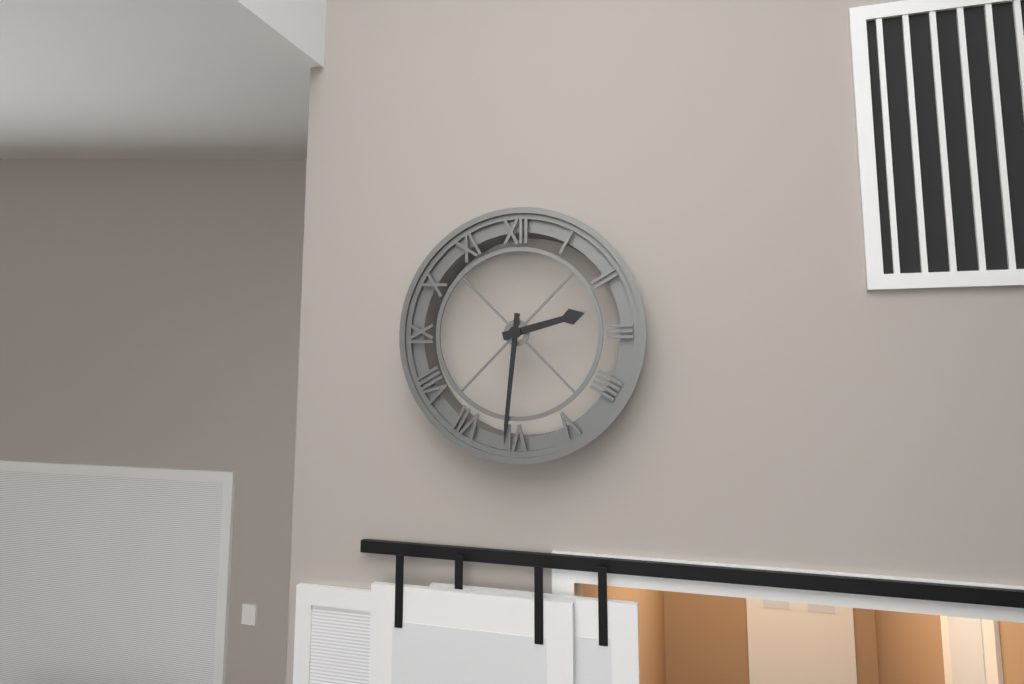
2:31
